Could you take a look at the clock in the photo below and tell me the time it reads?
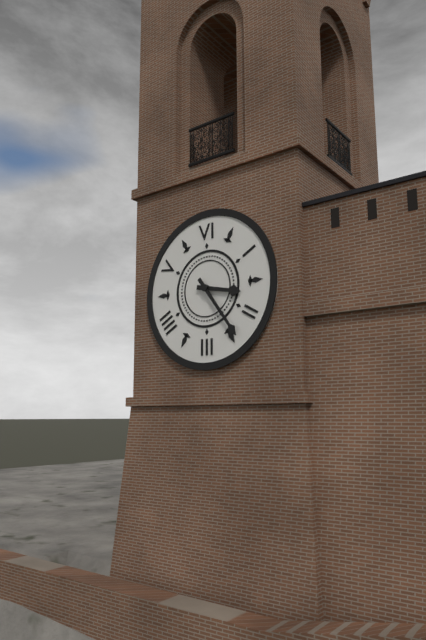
3:24
